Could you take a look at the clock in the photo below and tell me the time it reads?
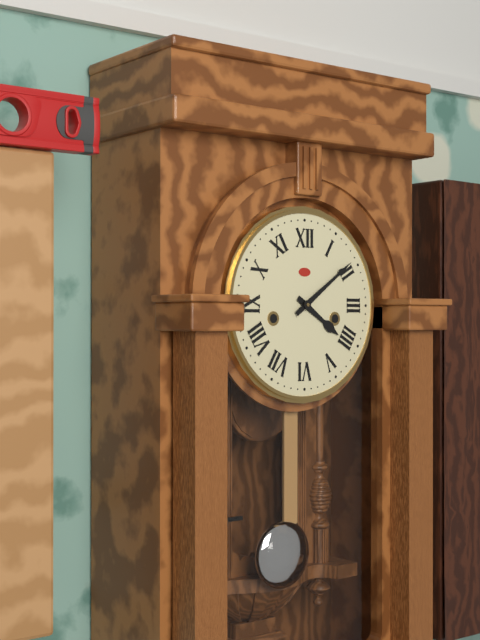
4:09
